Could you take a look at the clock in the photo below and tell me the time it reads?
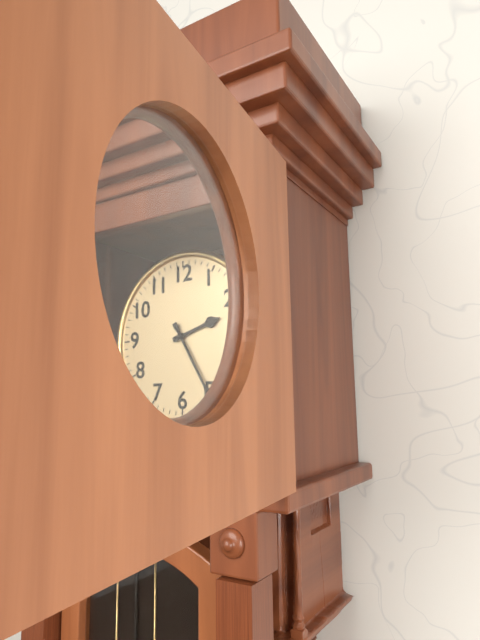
2:25
